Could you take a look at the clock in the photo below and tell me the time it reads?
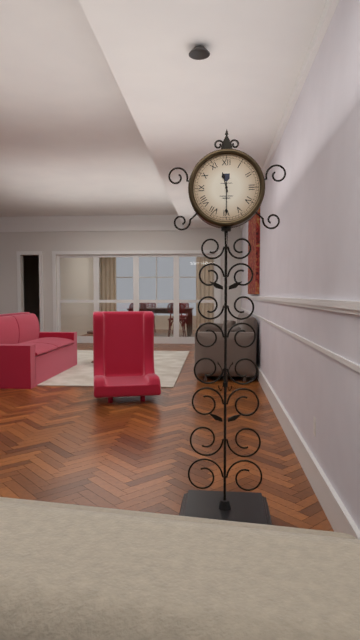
11:30
